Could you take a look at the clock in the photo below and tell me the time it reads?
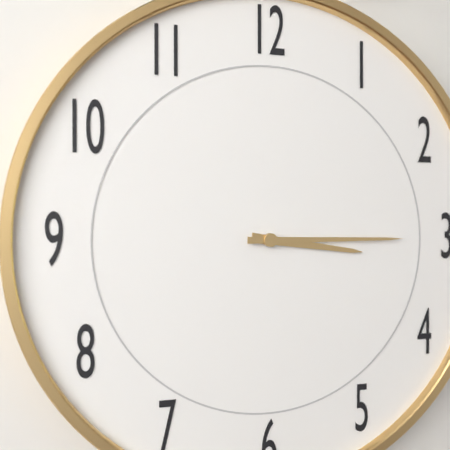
3:15
